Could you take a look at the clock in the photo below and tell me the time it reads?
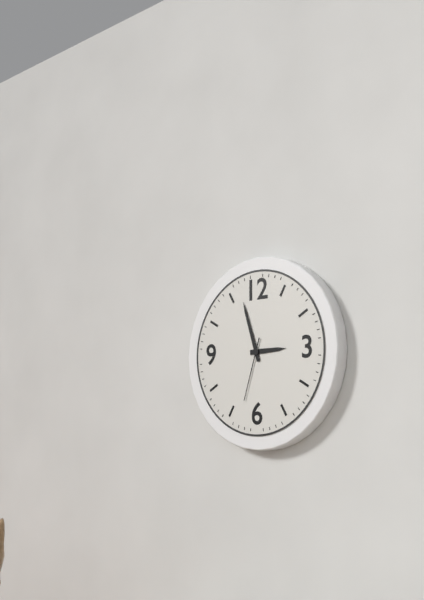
2:57:33
